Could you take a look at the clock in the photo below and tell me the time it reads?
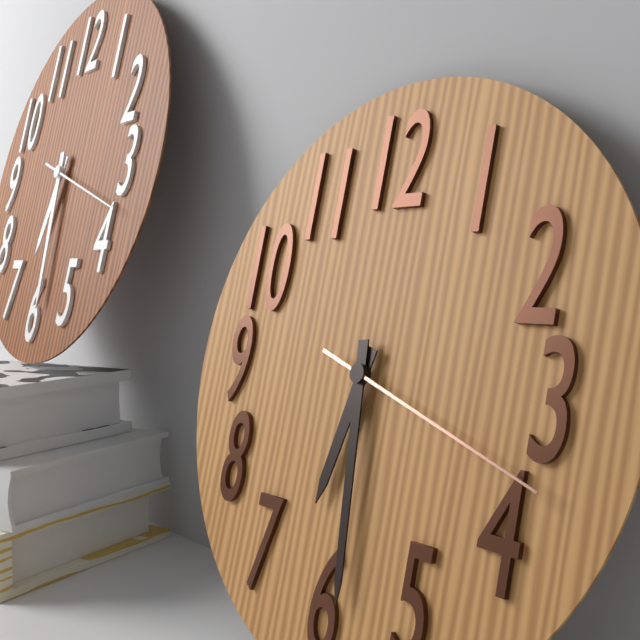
6:29:18
